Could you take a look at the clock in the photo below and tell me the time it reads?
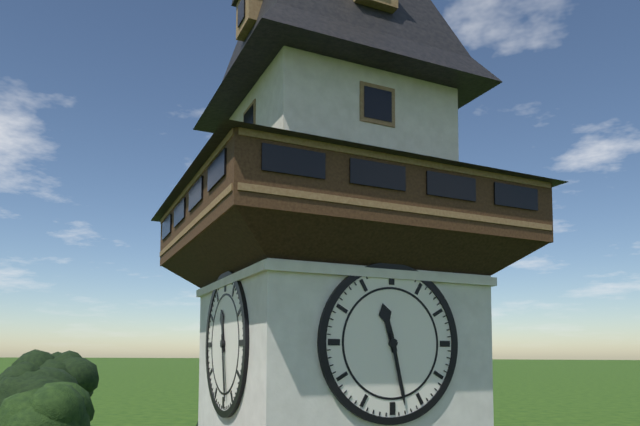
11:28
